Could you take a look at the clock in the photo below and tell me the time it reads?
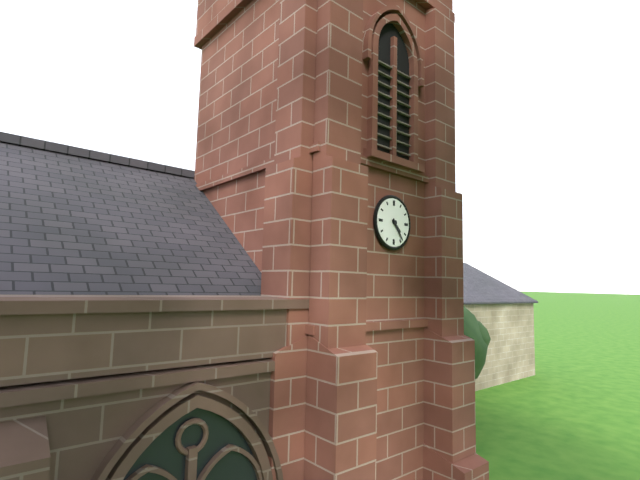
4:24
